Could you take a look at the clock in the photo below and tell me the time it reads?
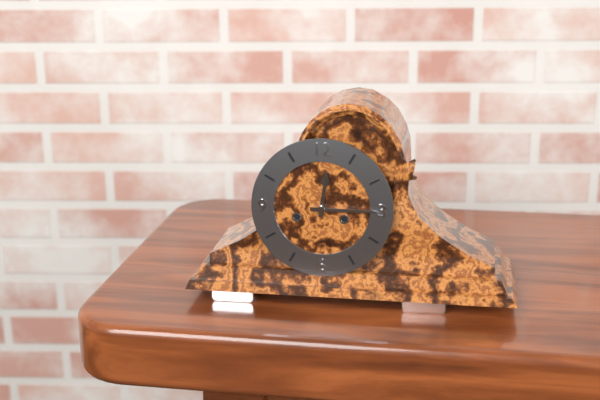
12:15
